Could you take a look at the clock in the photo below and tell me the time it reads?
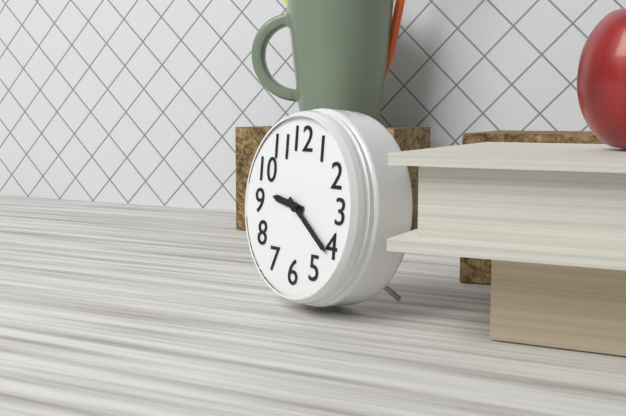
9:21
